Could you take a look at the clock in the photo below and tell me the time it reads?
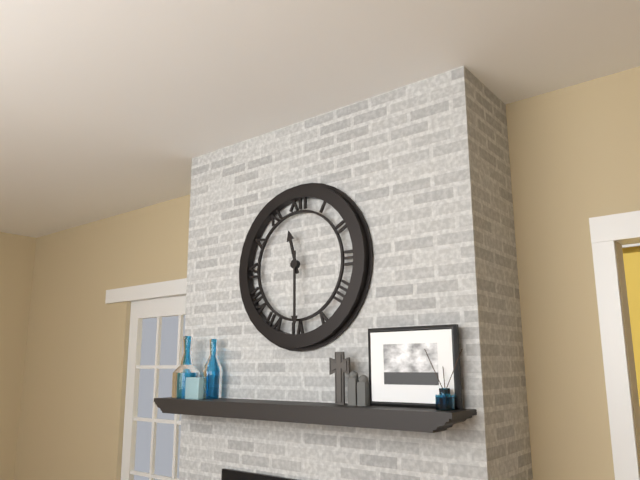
11:30
